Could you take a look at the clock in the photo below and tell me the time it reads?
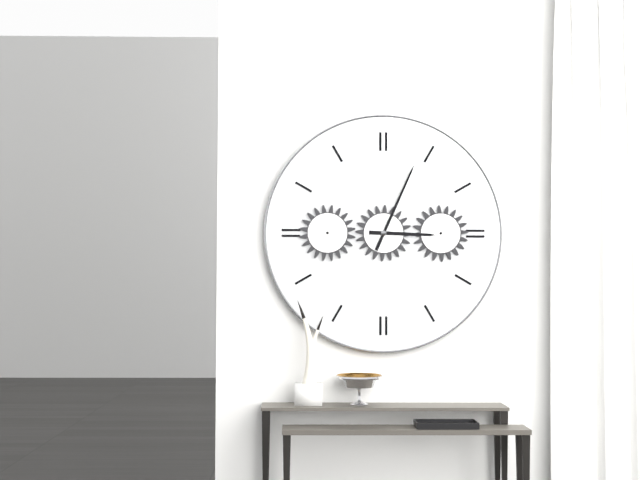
3:04
